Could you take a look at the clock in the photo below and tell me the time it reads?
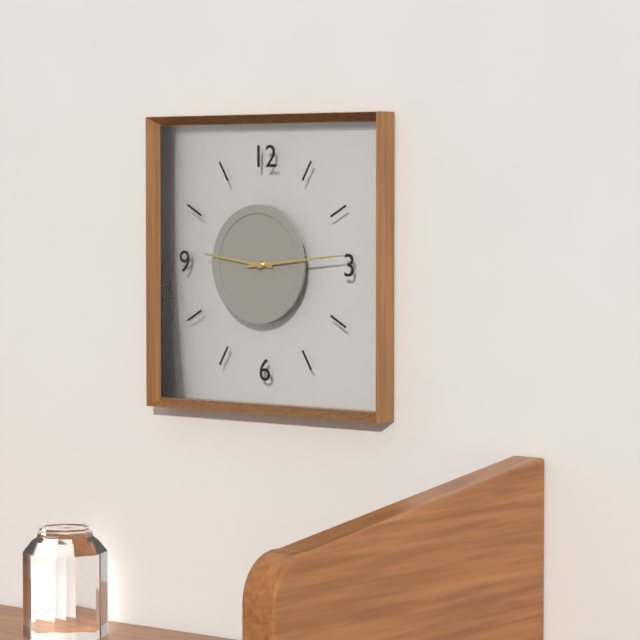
9:14
